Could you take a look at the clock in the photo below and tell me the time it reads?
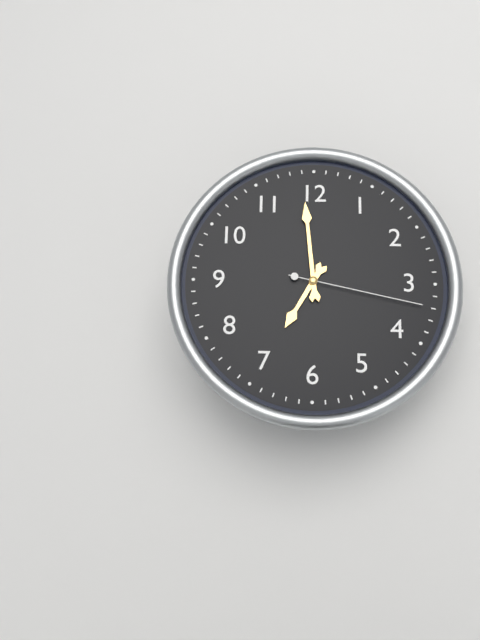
6:59:17
